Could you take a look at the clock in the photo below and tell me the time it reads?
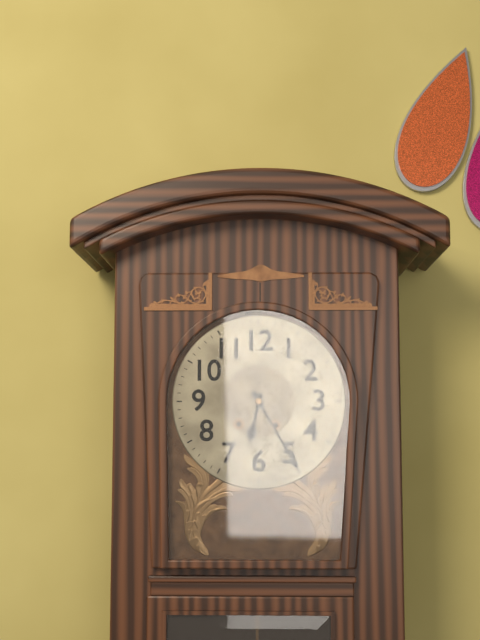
6:25
